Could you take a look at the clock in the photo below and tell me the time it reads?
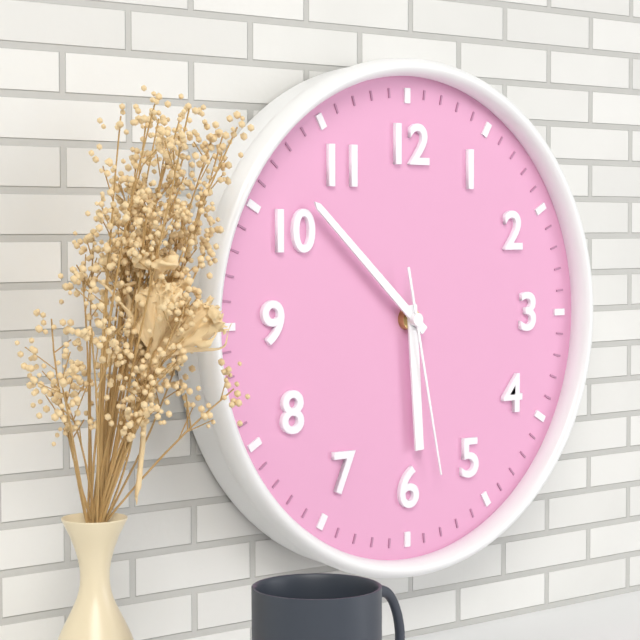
5:52:28
